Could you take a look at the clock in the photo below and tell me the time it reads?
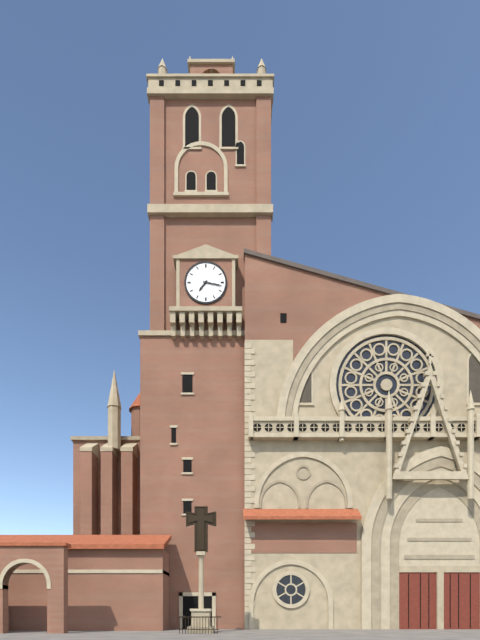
7:17
